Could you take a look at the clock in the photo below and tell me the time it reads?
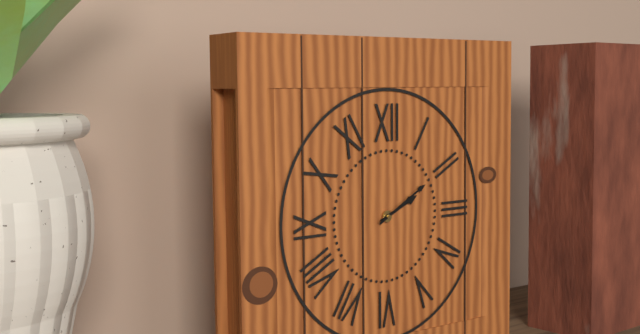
2:10
